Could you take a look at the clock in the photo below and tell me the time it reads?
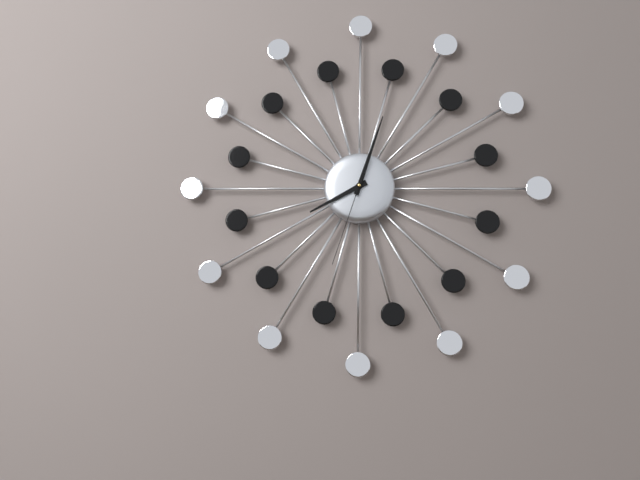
8:03:33
